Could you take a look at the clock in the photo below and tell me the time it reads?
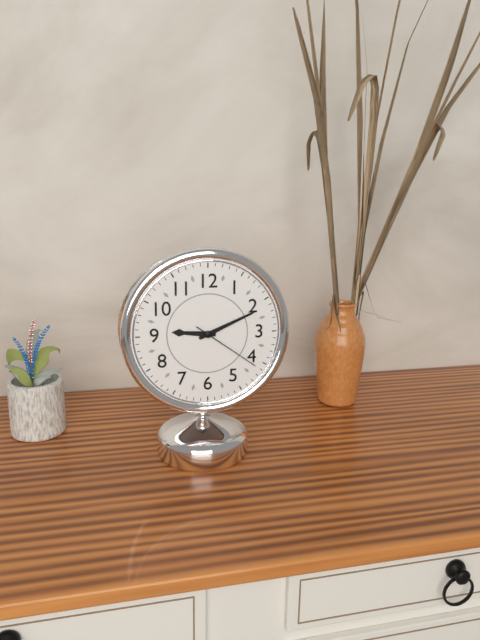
9:11:21
